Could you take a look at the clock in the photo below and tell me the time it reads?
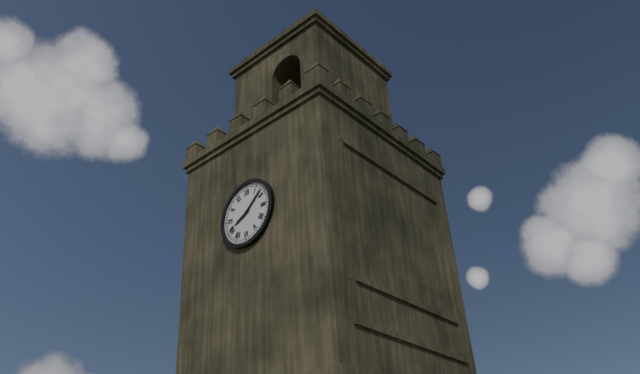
8:08
